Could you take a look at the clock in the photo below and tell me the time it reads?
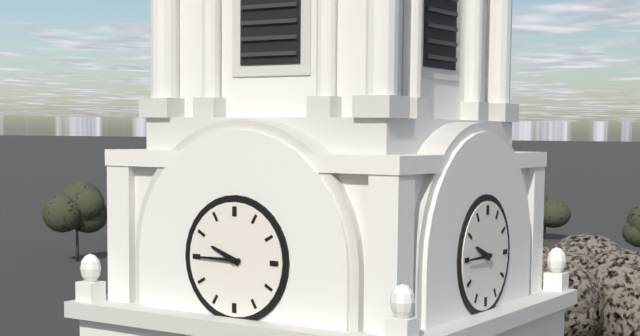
9:45
